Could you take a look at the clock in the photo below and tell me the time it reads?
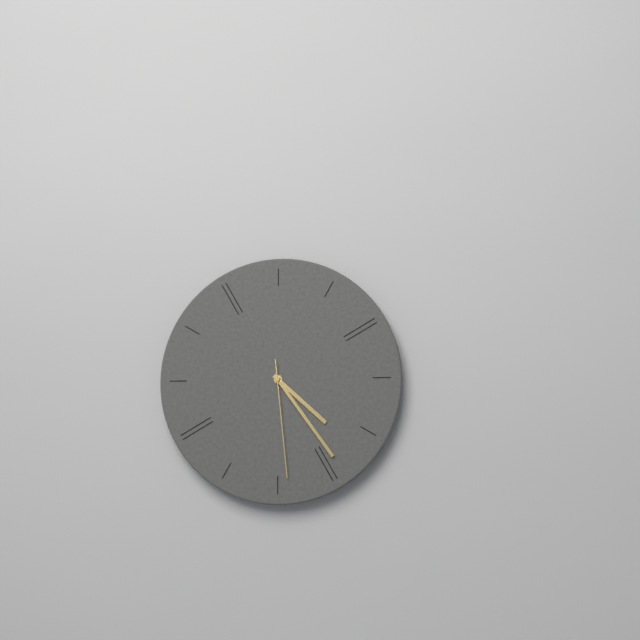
4:24:29
